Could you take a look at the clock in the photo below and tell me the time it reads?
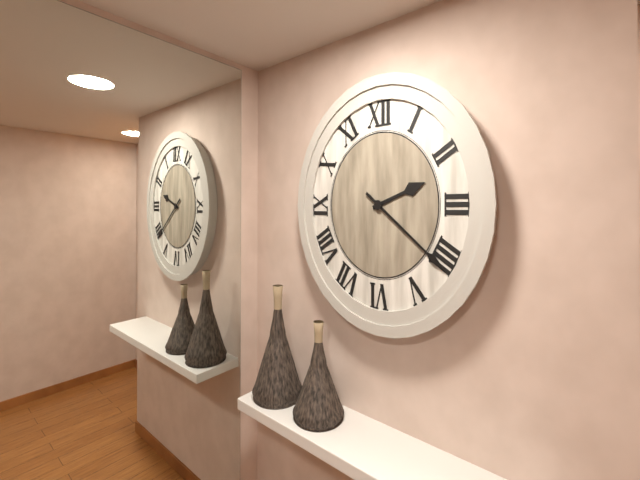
2:21
